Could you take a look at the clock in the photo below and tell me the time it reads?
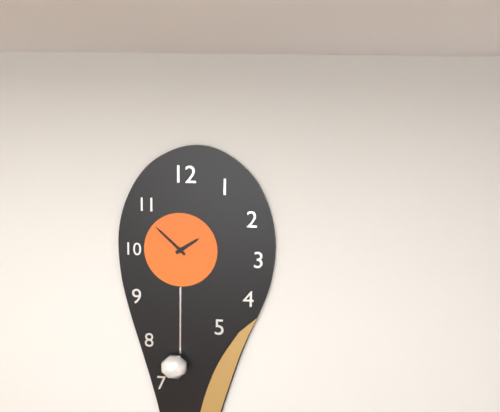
1:52
